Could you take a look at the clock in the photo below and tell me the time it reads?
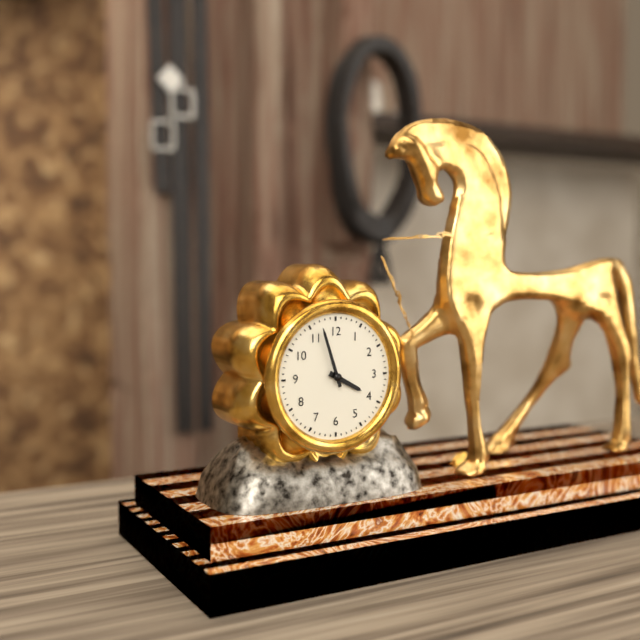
3:57
